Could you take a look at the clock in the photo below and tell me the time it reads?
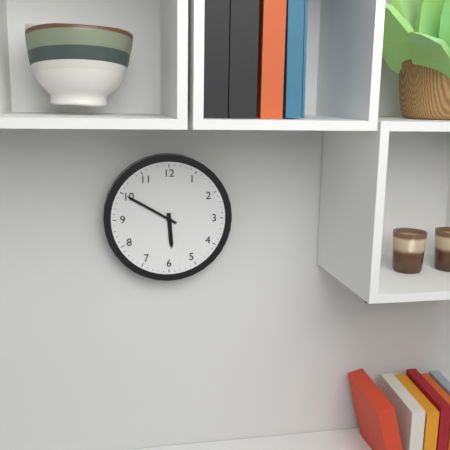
5:50
